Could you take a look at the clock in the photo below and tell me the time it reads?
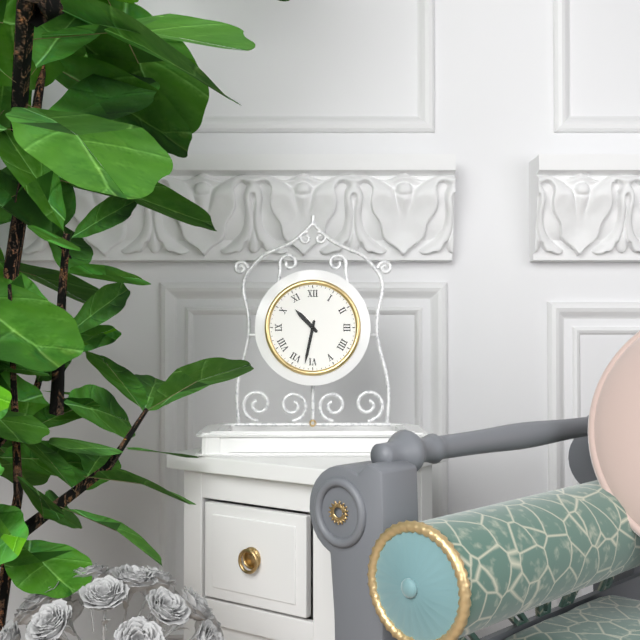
10:32
